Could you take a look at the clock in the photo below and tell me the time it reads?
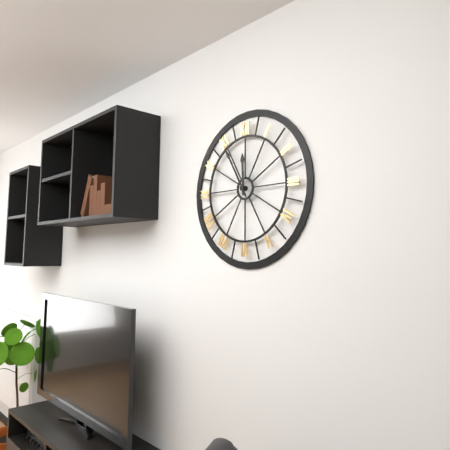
11:55
